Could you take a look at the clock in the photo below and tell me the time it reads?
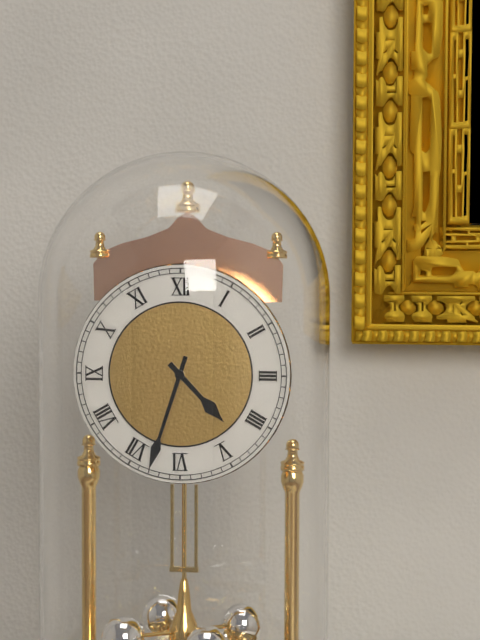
4:33
